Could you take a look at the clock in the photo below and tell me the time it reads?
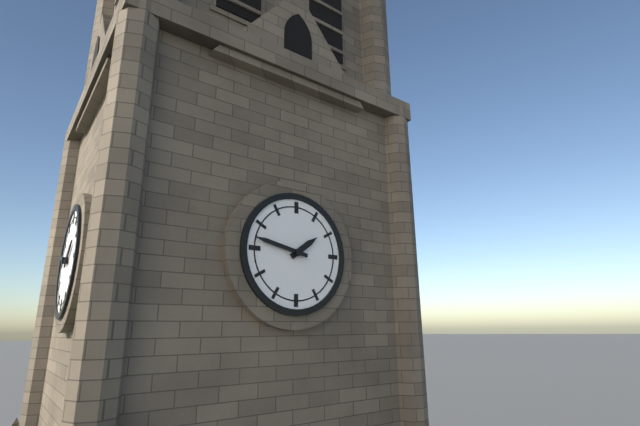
1:47
